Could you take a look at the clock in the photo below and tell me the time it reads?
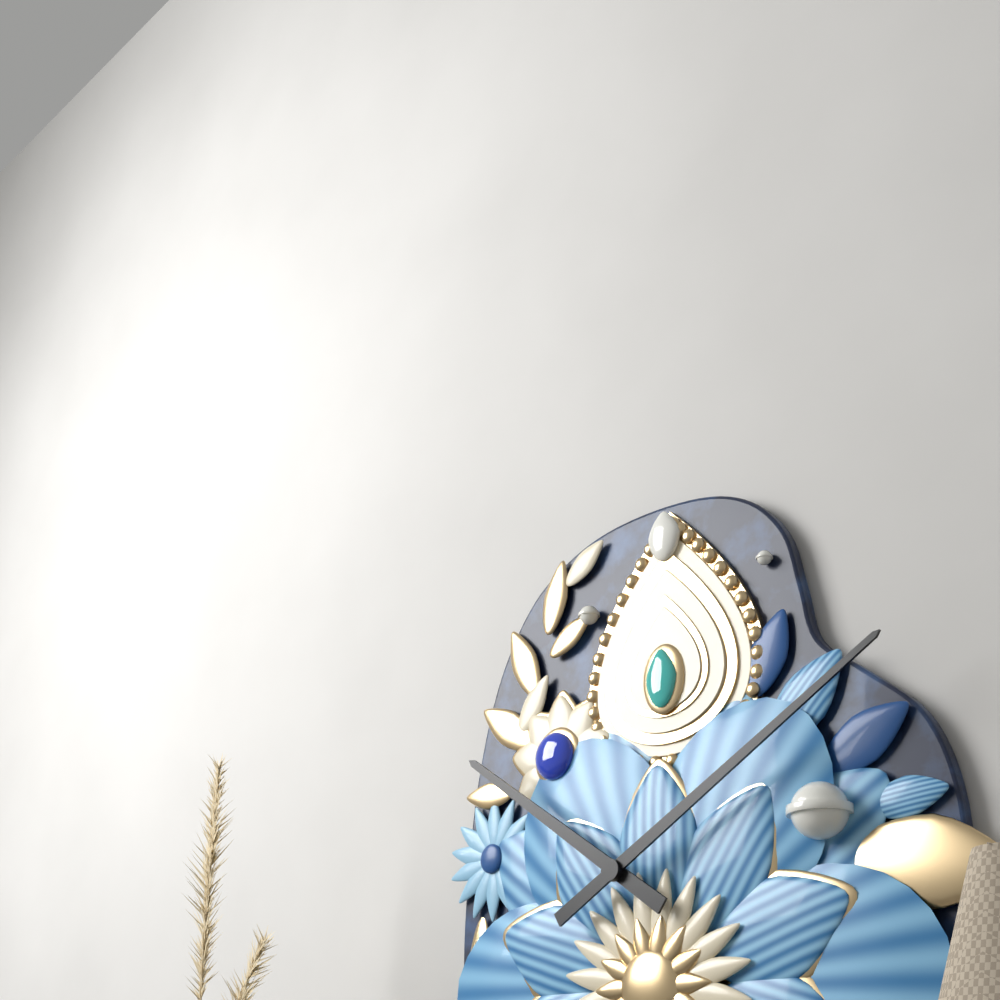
10:10
